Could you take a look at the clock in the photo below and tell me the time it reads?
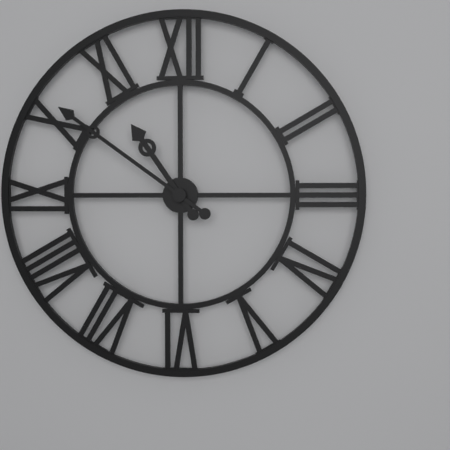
10:51
